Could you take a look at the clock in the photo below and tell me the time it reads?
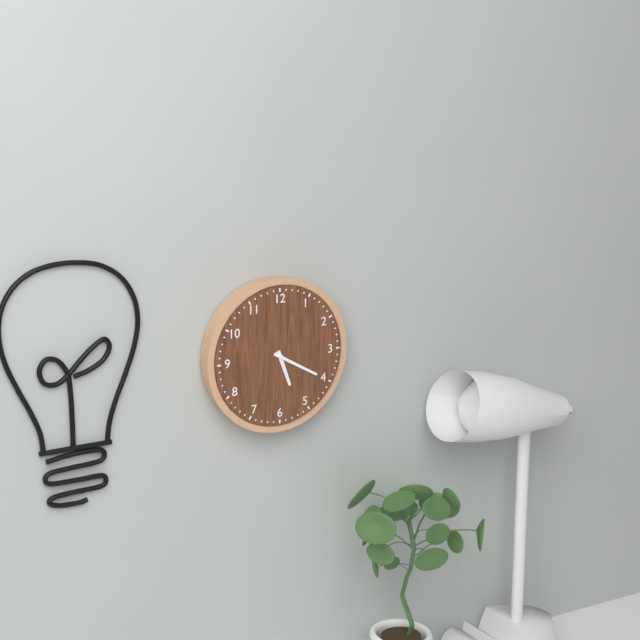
5:20
